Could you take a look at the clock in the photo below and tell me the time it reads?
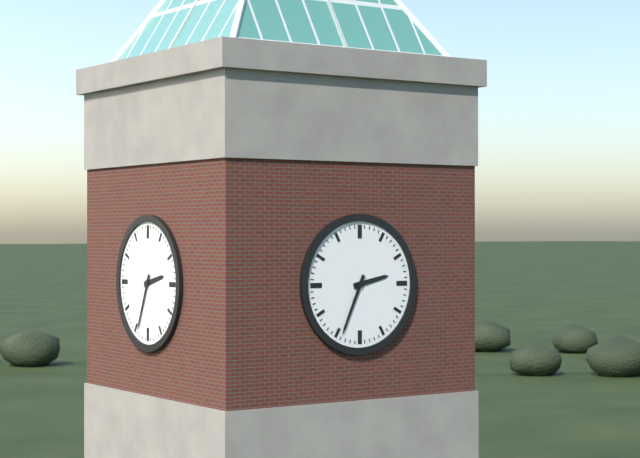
2:34
